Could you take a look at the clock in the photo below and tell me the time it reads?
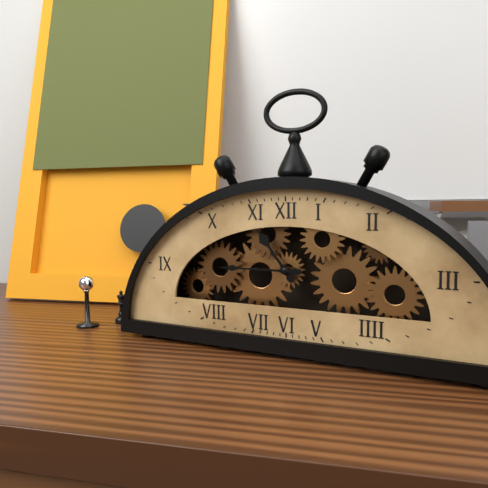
10:45
